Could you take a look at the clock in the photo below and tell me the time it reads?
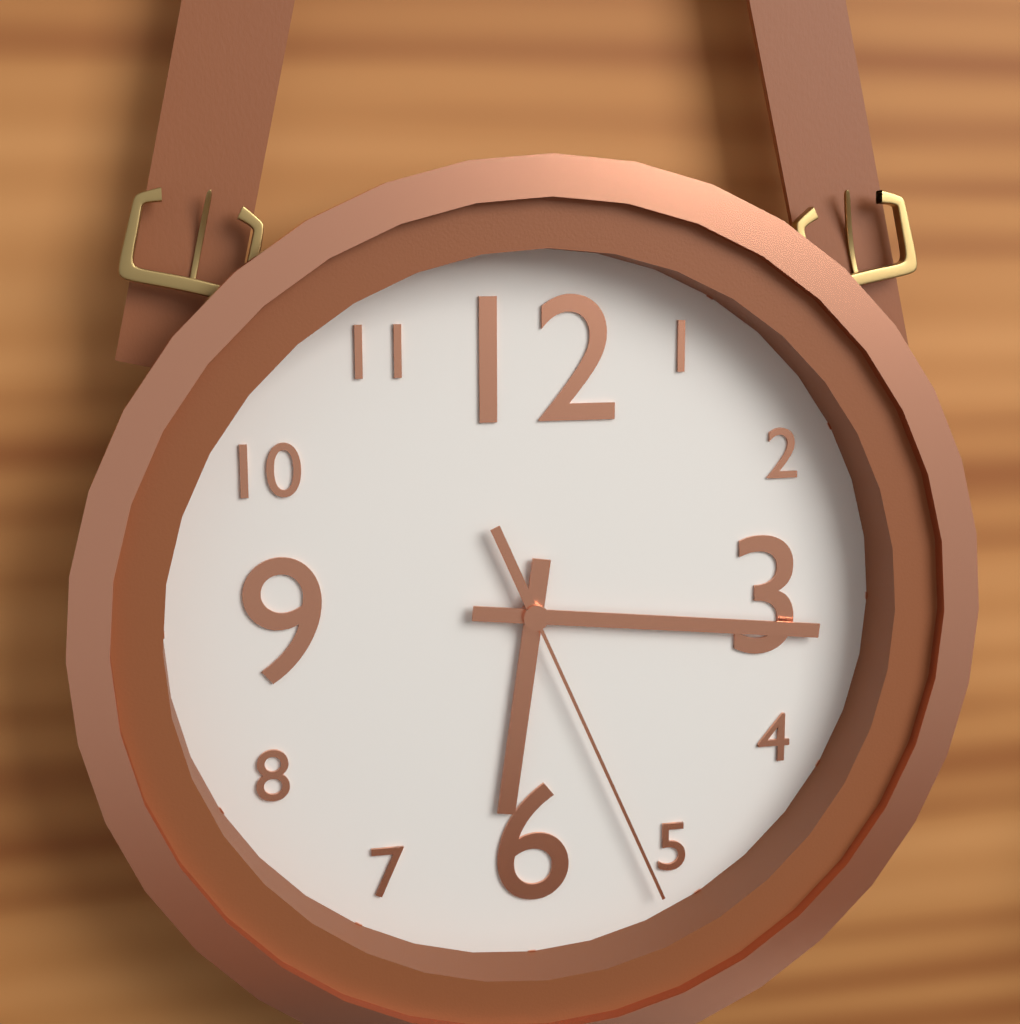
6:16:26
